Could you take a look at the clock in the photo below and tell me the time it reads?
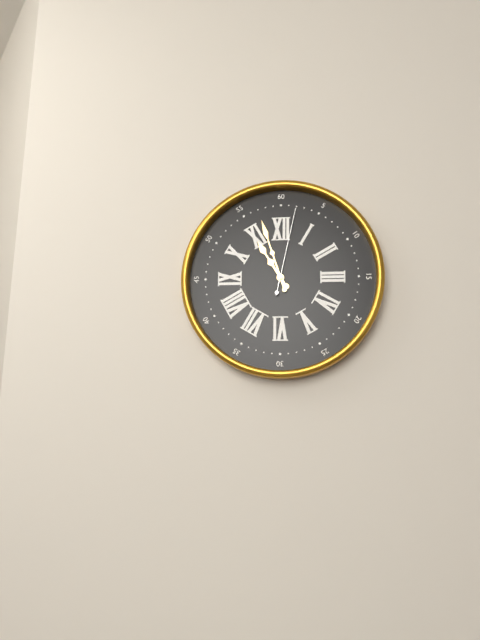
10:57:02
